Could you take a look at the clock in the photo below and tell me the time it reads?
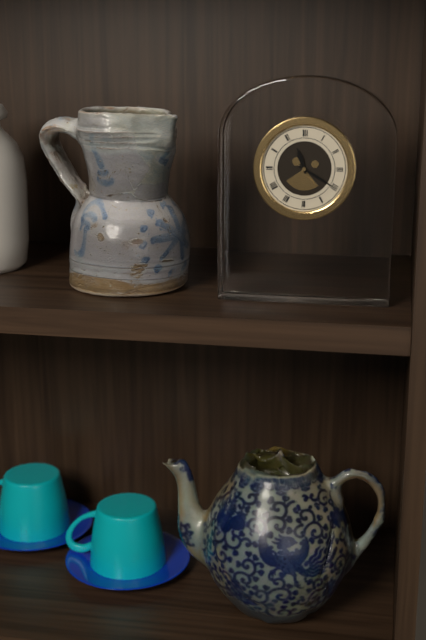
11:20
